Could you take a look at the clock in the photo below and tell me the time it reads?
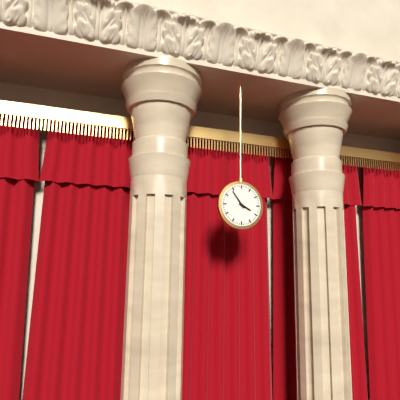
3:54
